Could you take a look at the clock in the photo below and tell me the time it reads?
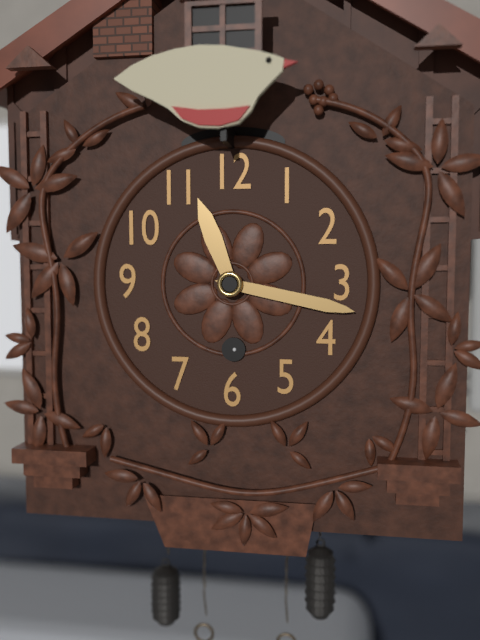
11:17
